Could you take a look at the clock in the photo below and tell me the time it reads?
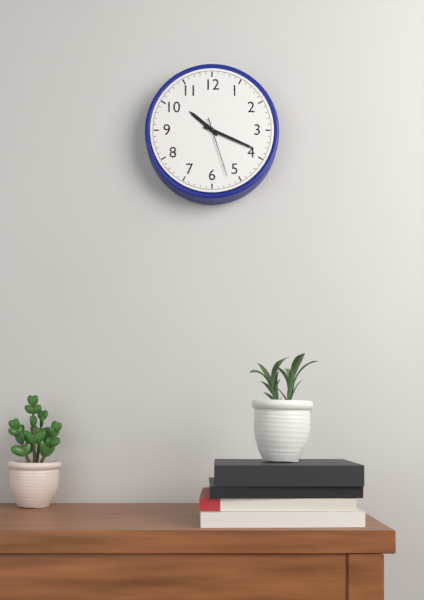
10:19:27
